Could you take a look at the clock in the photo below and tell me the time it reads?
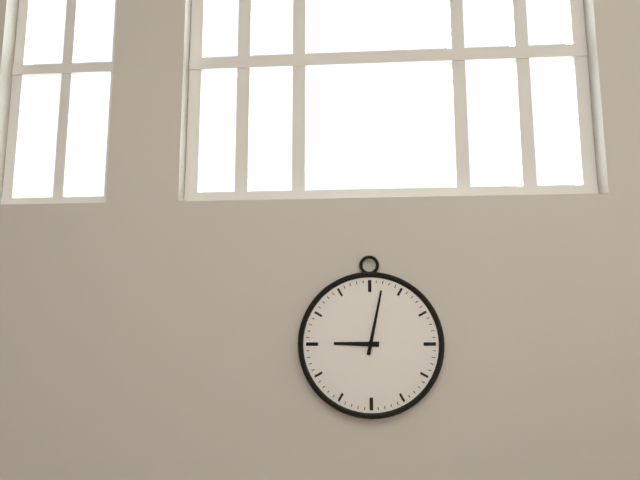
9:02
